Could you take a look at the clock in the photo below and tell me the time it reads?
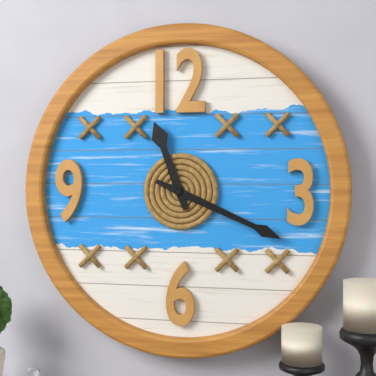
11:19
